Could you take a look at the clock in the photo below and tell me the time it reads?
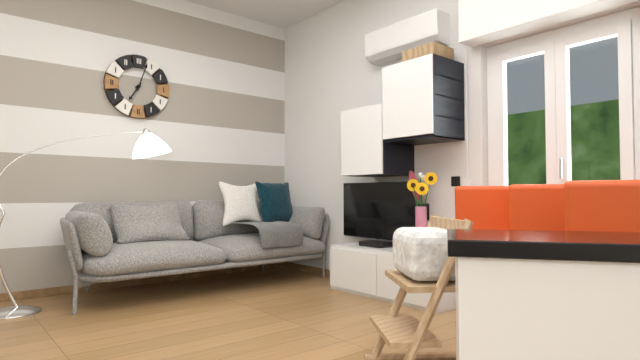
7:03
